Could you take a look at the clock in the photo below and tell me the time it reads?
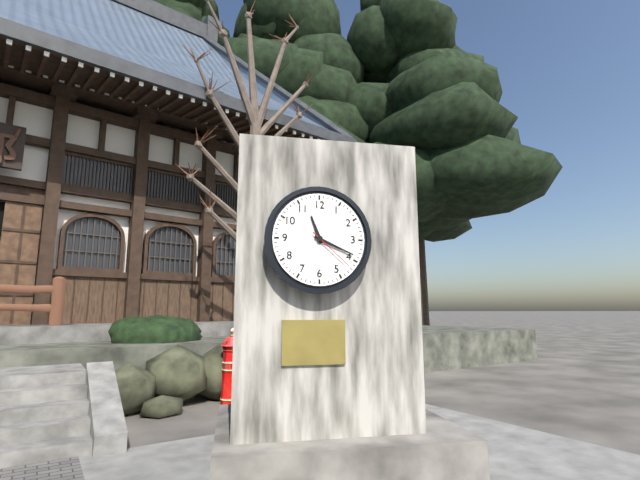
11:19:22
